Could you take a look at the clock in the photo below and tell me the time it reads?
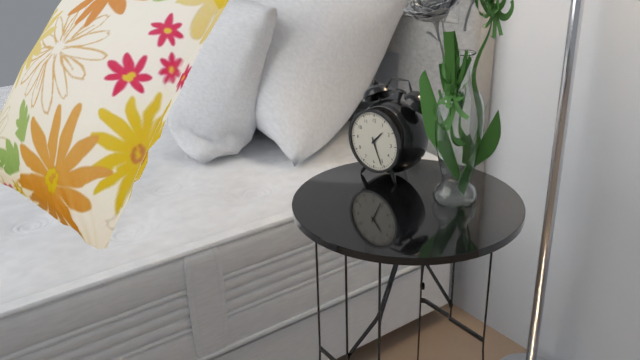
1:26
